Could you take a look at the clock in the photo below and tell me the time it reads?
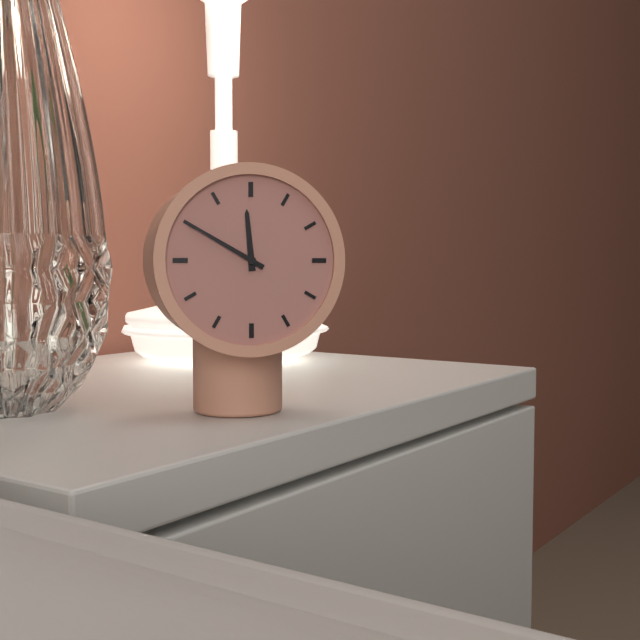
11:50
